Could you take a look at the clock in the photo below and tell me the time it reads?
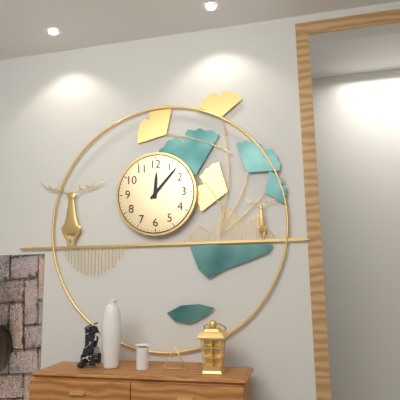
12:07
